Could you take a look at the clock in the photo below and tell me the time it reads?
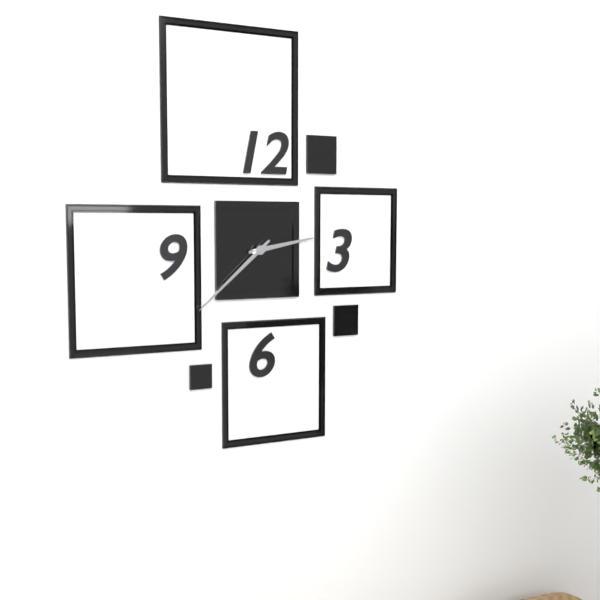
2:38
